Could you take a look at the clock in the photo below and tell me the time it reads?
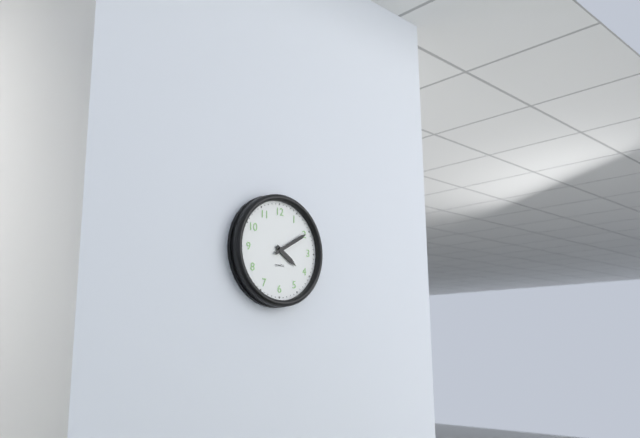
4:10
